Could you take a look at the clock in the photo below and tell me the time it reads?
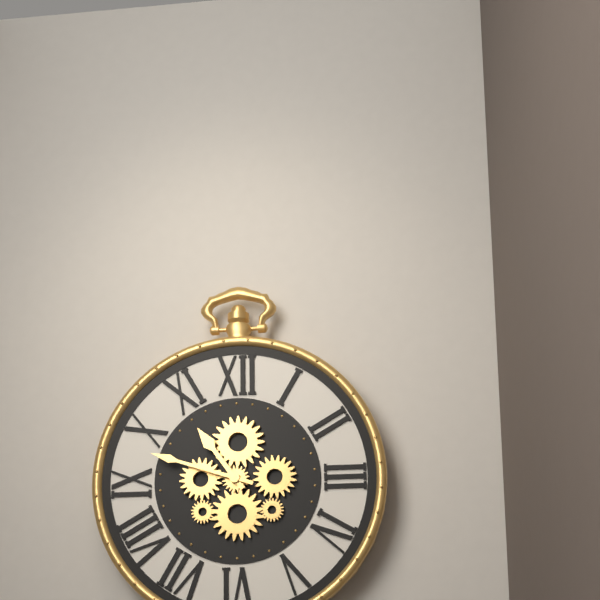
10:48
